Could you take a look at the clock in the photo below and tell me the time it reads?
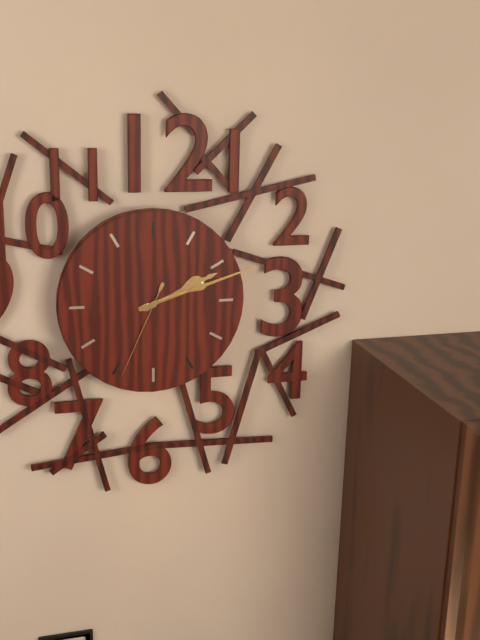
2:12:34
